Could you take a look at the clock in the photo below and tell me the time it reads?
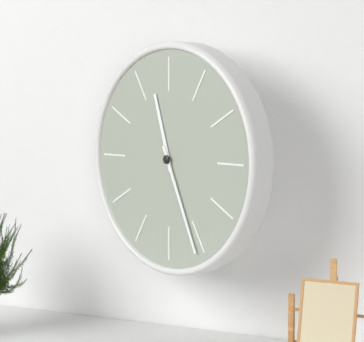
11:26
